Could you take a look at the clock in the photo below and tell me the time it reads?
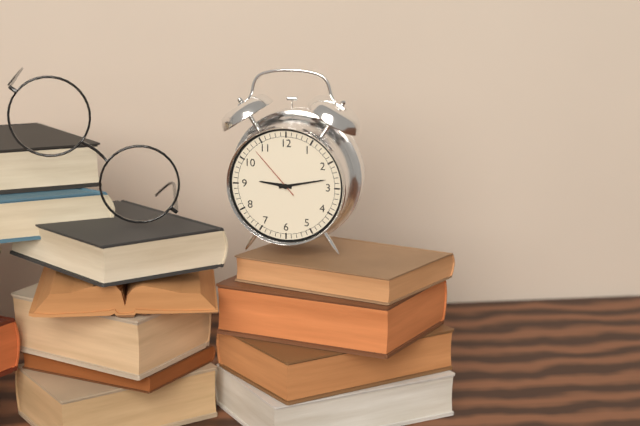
9:13:53
